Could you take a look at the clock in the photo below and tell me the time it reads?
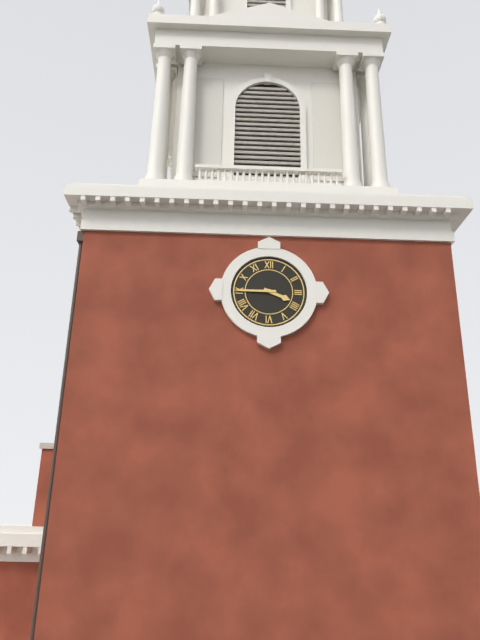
3:45
